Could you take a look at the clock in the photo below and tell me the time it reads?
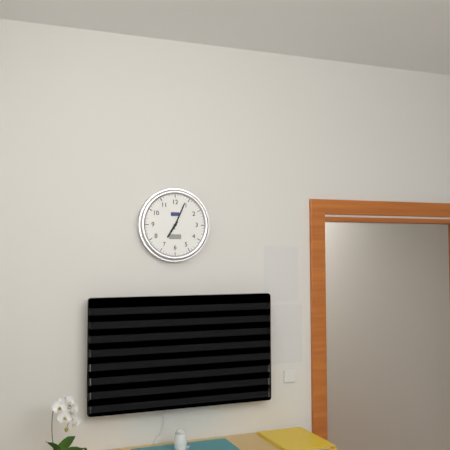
7:04
